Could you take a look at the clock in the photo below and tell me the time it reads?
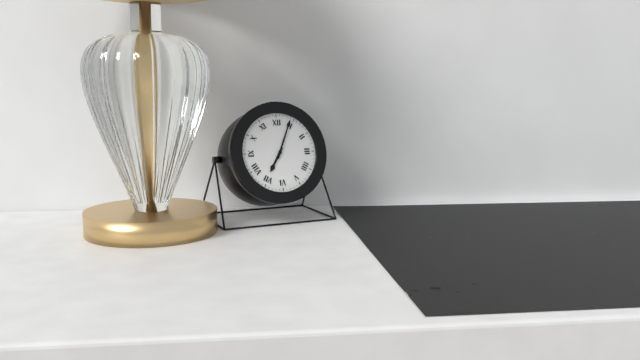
7:04
